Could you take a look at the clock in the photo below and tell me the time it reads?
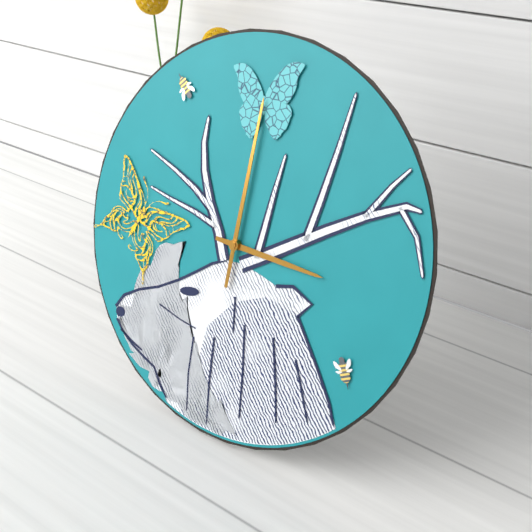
3:00
